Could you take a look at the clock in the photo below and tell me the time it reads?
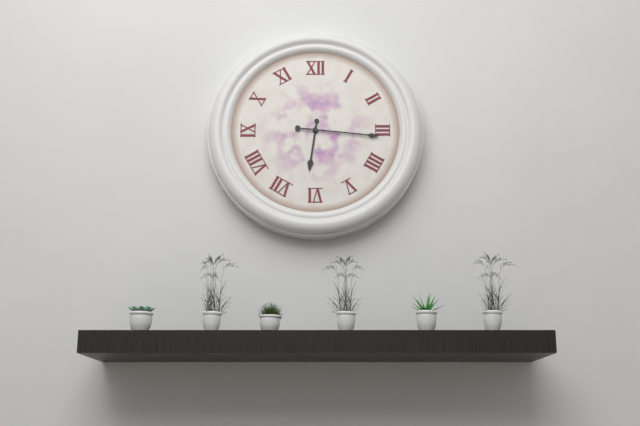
6:16
